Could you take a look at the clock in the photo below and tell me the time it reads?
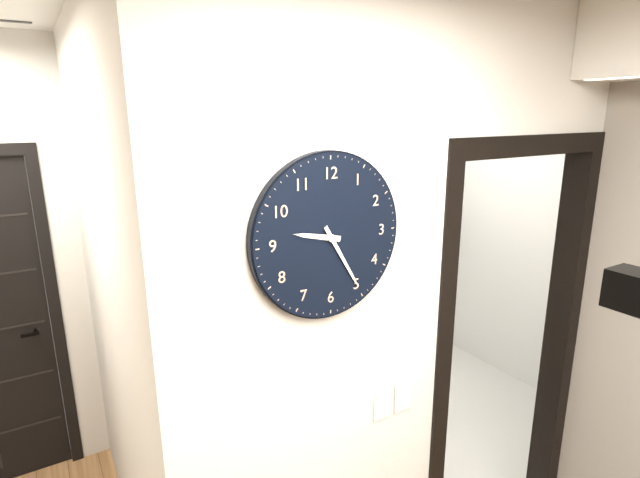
9:25
